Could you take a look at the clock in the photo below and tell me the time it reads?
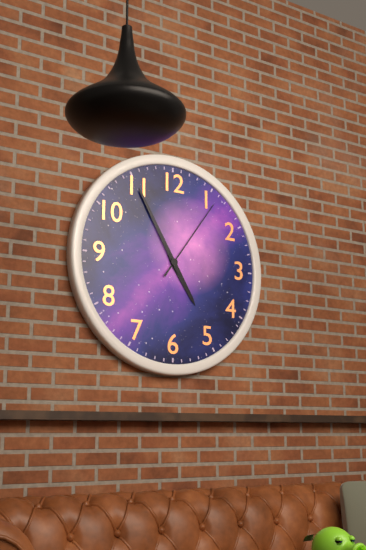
4:55:06
